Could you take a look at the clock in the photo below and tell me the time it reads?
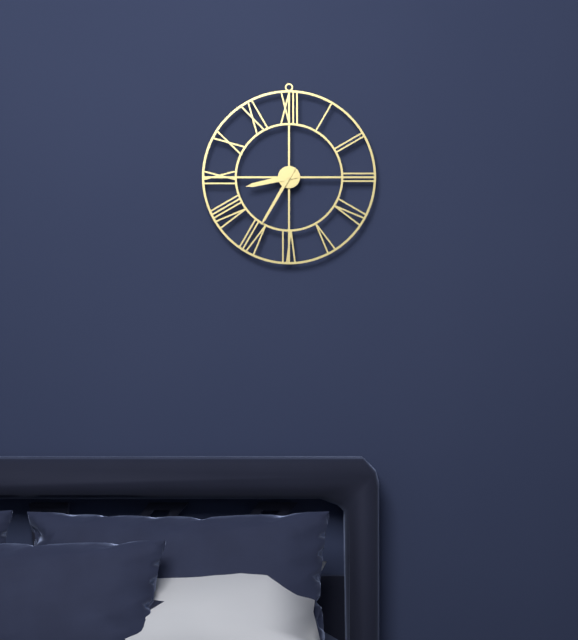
8:35
